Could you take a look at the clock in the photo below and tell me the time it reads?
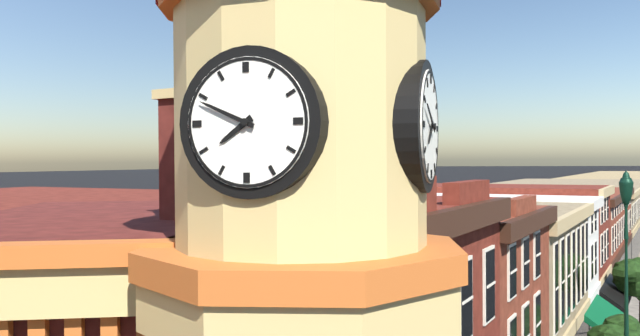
7:49
